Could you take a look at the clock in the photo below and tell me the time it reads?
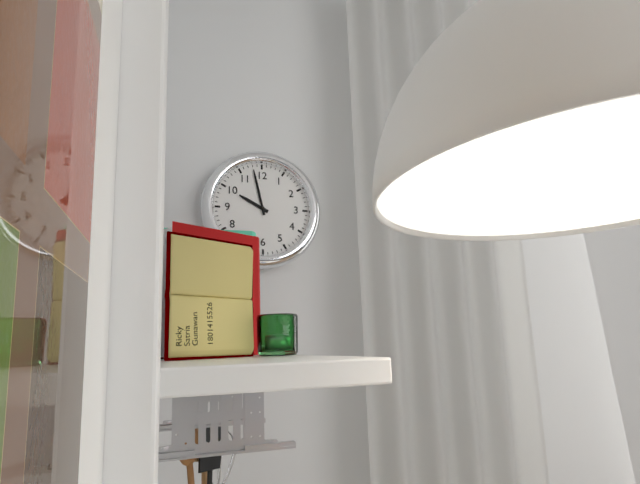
9:58
